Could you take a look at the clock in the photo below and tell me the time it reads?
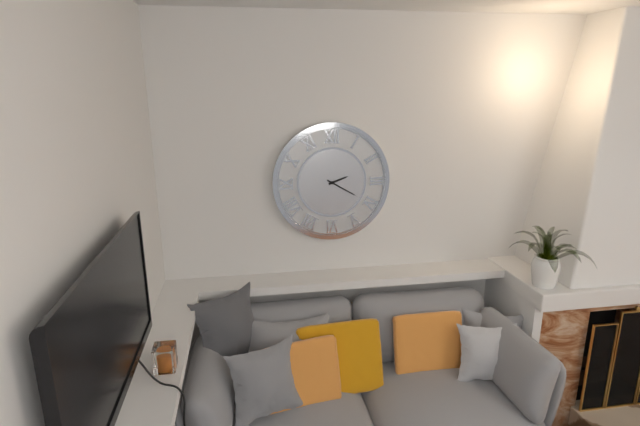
2:20
